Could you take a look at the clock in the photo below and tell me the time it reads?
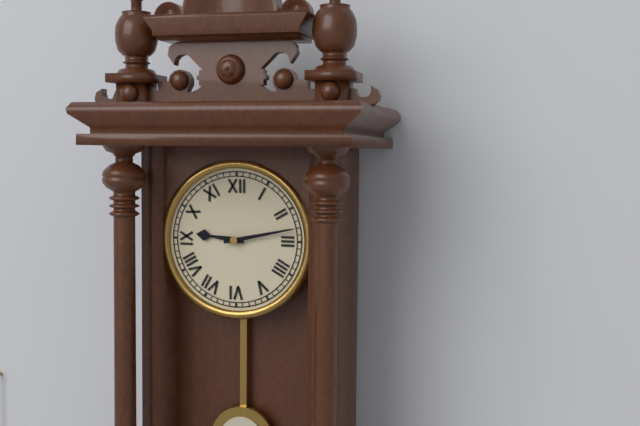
9:13
